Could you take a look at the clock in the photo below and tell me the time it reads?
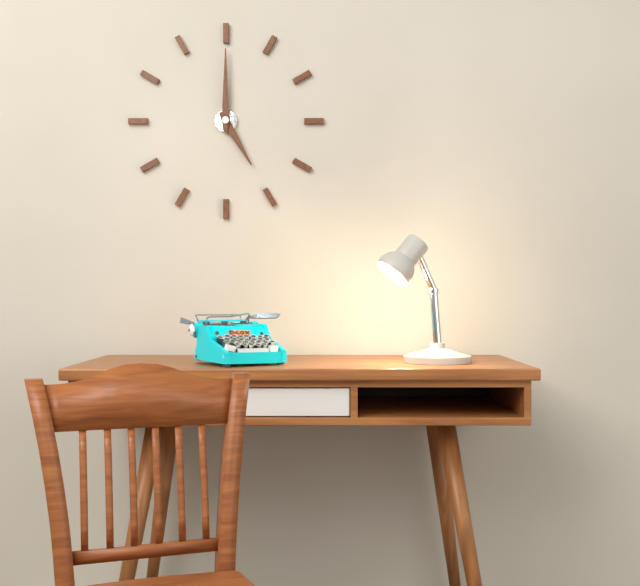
5:00
